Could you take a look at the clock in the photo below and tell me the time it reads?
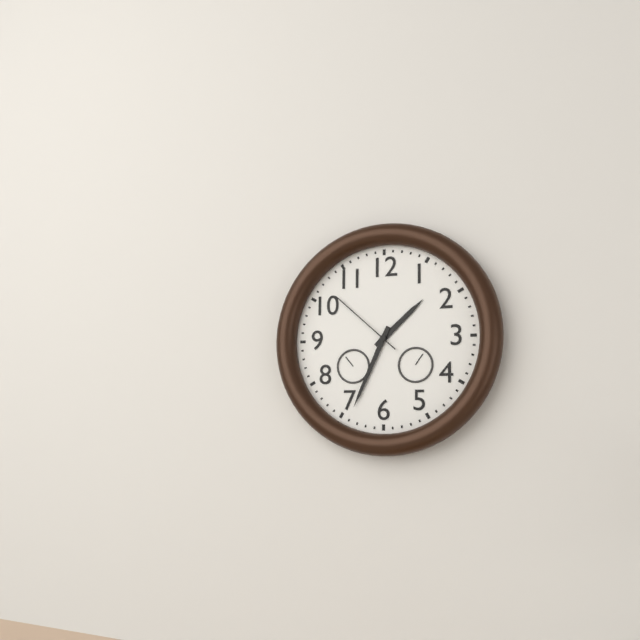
1:34:52
